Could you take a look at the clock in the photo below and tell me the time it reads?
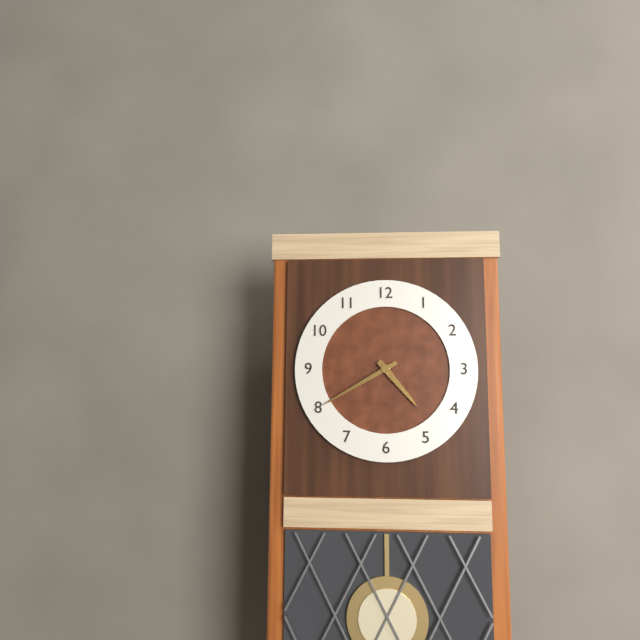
4:40
